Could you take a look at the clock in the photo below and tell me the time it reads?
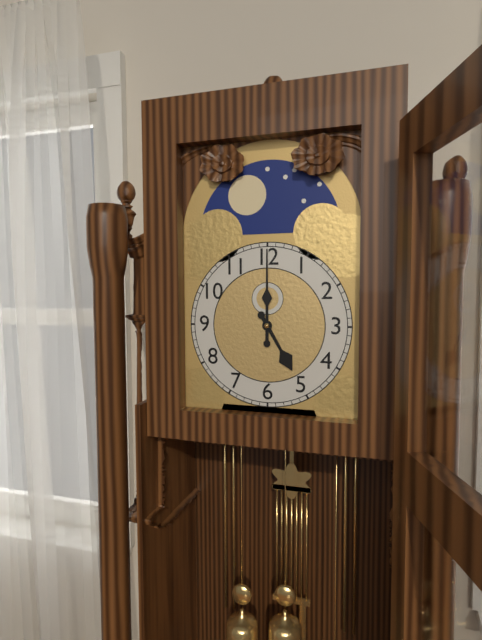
5:00
